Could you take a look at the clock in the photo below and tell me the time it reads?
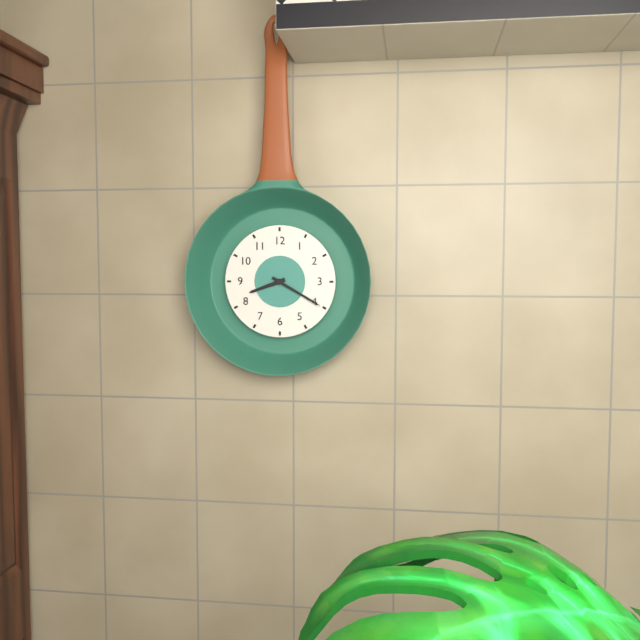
8:20
